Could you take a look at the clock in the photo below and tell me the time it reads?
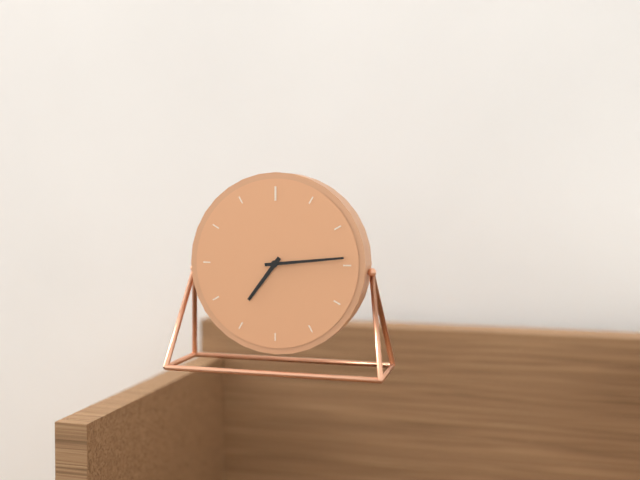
7:14
